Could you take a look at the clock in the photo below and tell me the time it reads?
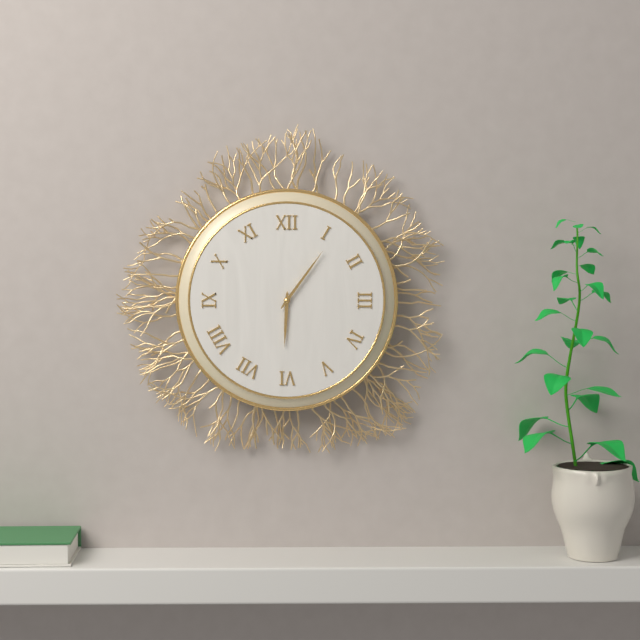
6:06
